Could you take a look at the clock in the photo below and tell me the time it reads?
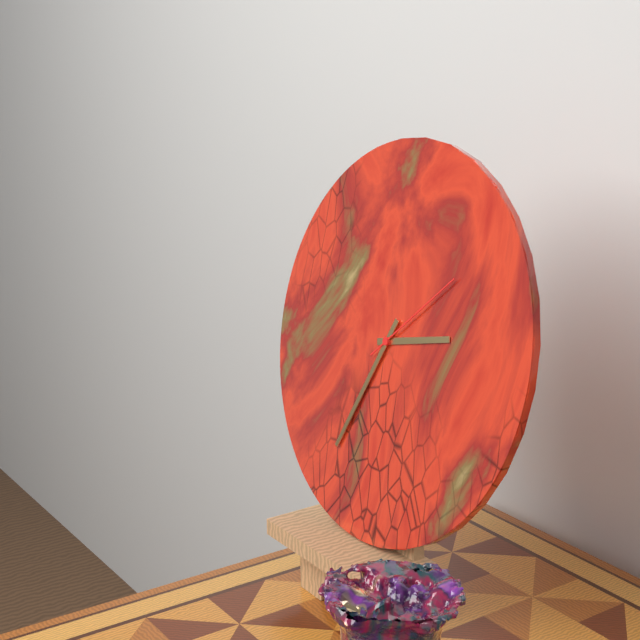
2:34:08
